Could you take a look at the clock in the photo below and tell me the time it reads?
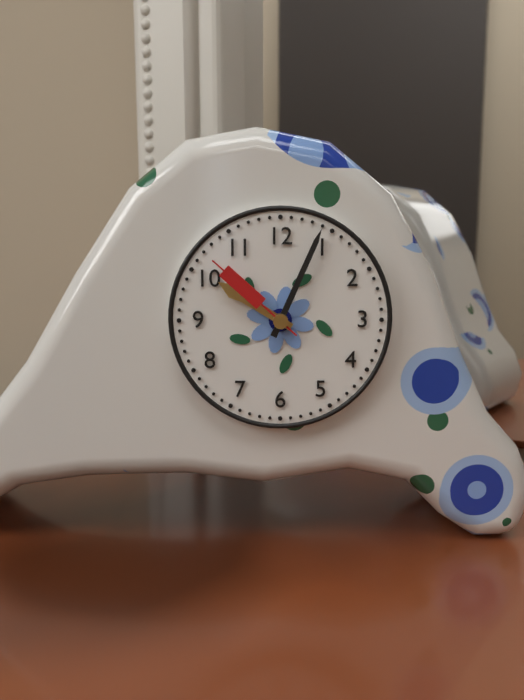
10:04:52
